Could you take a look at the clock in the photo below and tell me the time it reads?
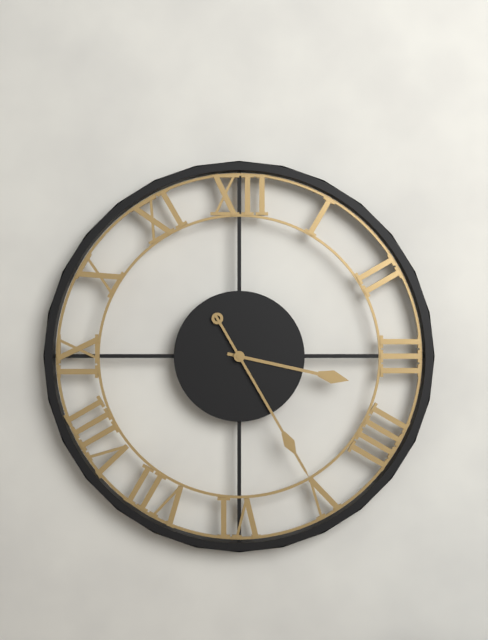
3:25
